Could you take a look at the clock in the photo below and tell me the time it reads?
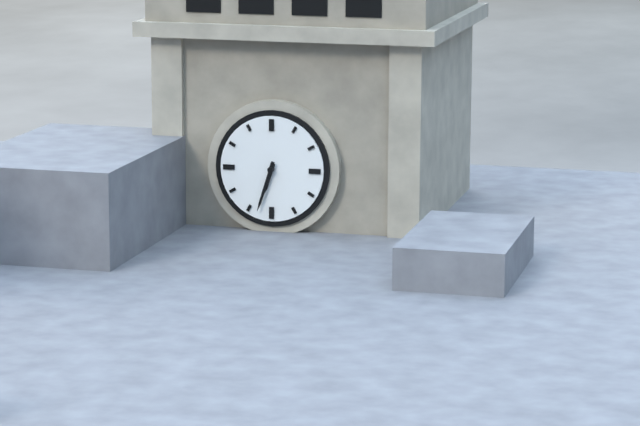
6:33
